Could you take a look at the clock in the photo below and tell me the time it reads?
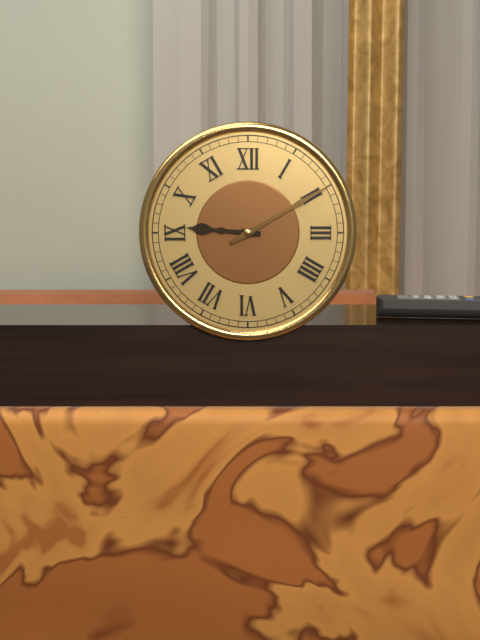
9:10
